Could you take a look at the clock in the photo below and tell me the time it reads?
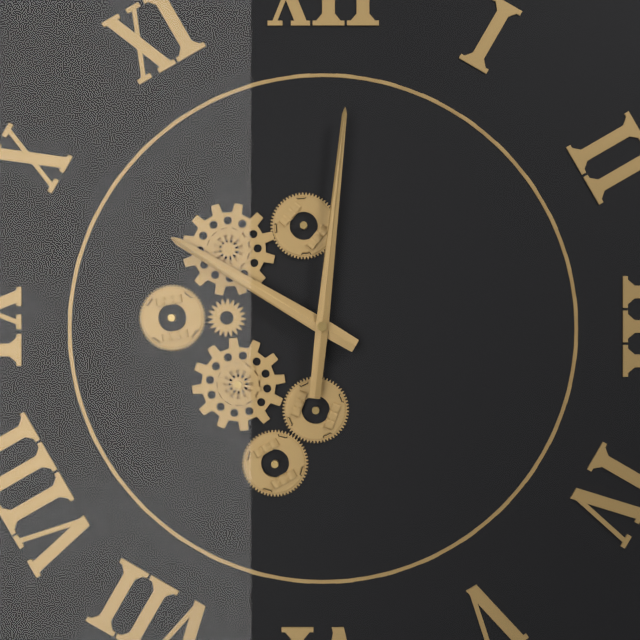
10:01
